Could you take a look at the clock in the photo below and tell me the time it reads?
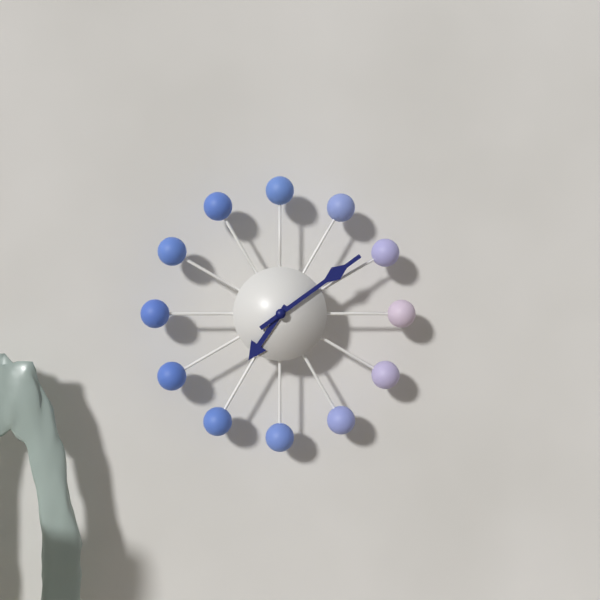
7:09
